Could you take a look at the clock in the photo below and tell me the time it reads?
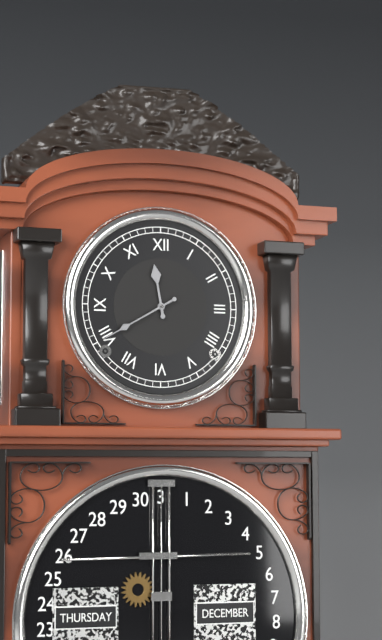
11:40
